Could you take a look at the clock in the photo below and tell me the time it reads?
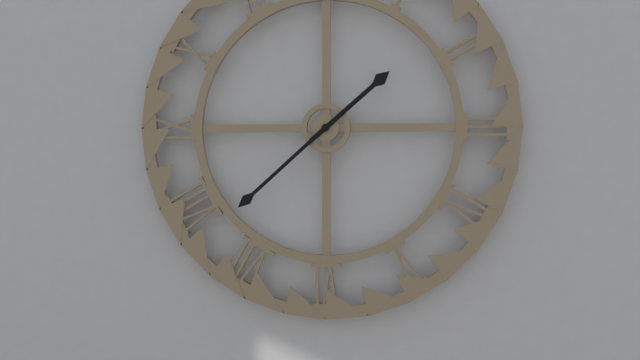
1:38
